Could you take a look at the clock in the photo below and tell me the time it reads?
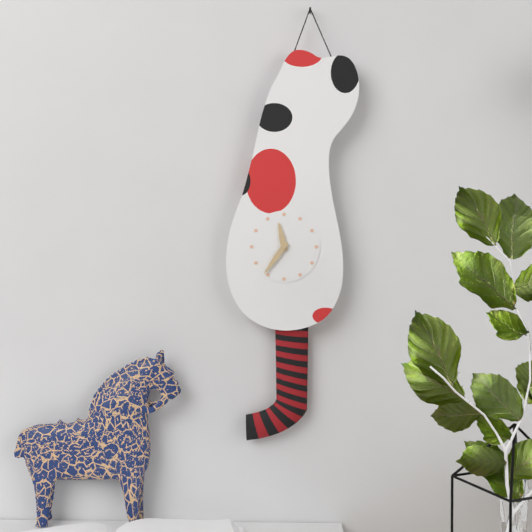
11:36
